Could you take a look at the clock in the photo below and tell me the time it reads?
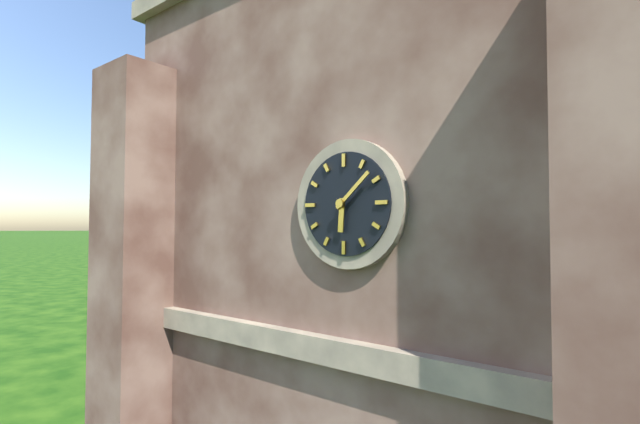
6:08
